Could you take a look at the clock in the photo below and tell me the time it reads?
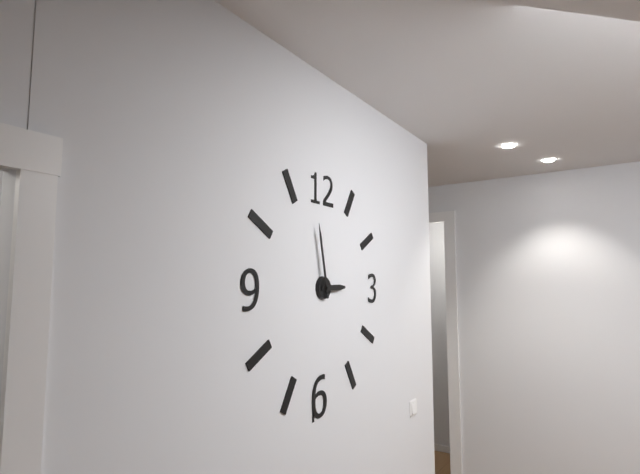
2:58
